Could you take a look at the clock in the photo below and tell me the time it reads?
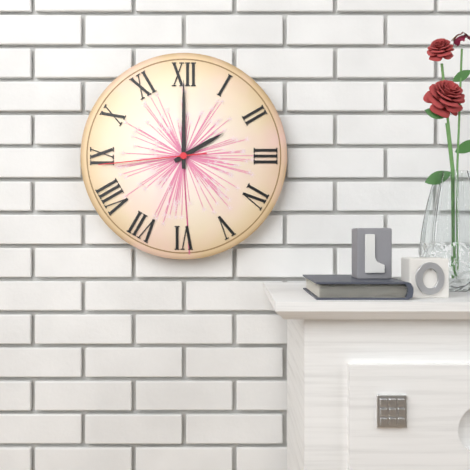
2:00:44
